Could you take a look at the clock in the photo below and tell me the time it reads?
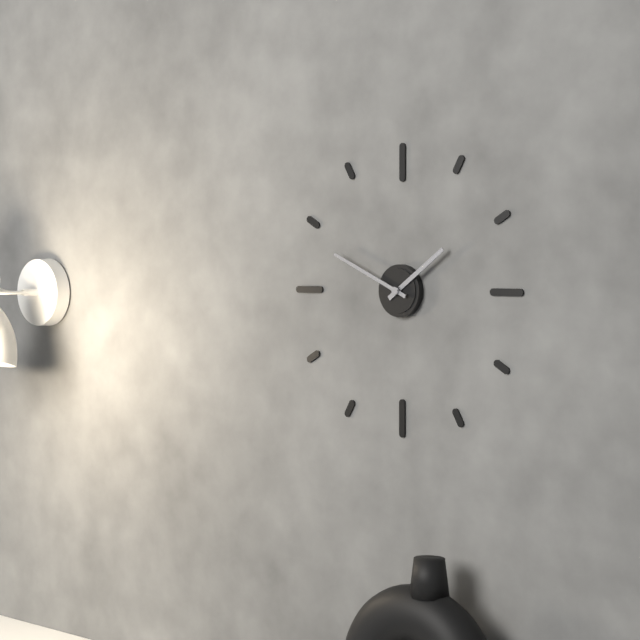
1:49
